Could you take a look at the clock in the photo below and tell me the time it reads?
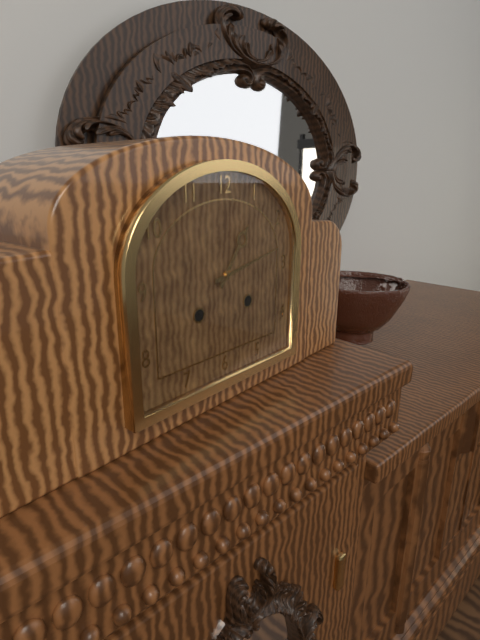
1:13
